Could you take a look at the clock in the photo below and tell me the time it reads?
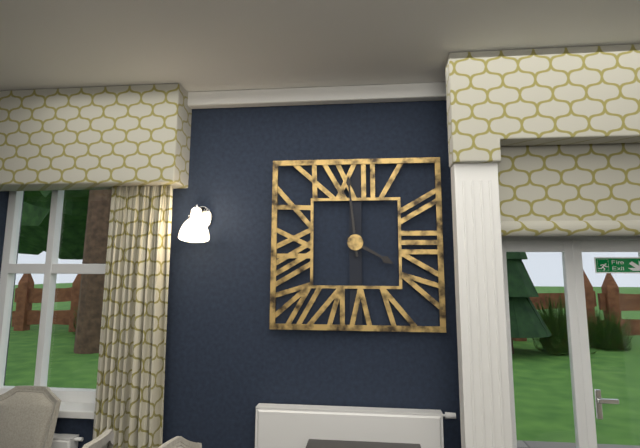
3:59
